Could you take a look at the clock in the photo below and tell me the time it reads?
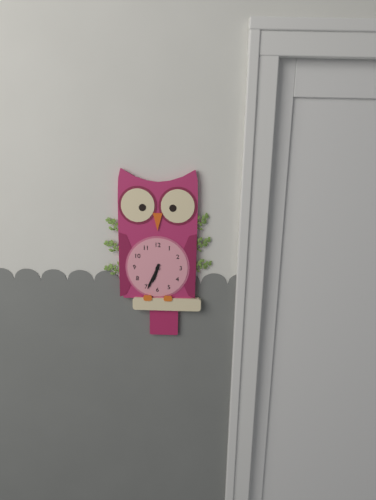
6:34
